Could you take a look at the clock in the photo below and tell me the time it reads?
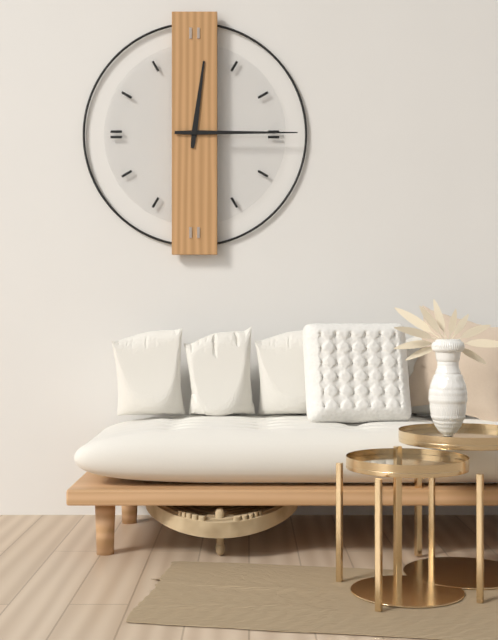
12:15
